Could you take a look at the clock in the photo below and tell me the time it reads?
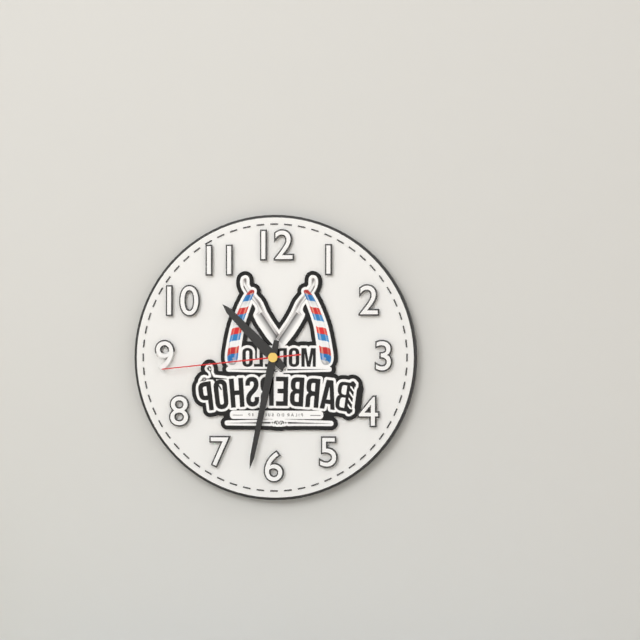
10:32:44
